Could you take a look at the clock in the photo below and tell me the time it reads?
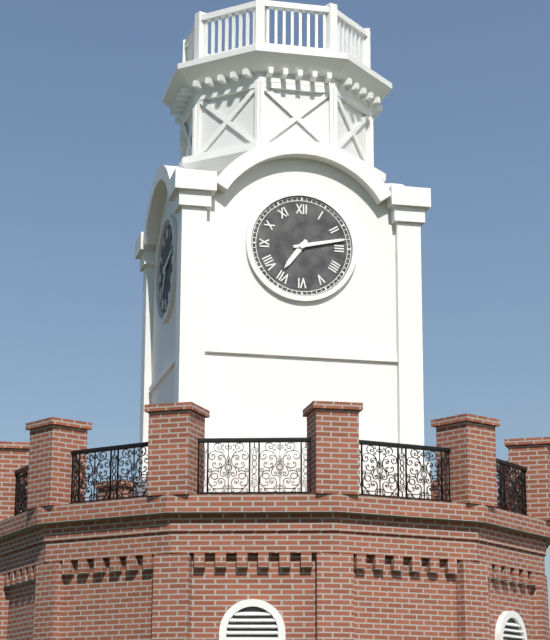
7:13
